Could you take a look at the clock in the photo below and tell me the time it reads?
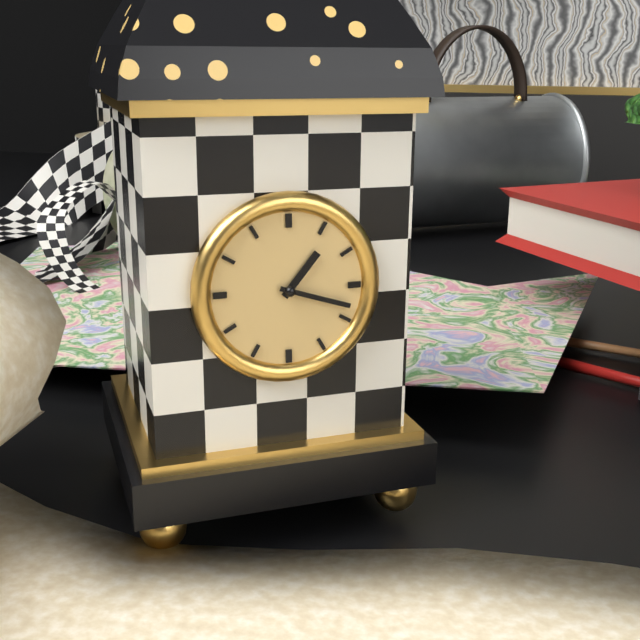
1:18
